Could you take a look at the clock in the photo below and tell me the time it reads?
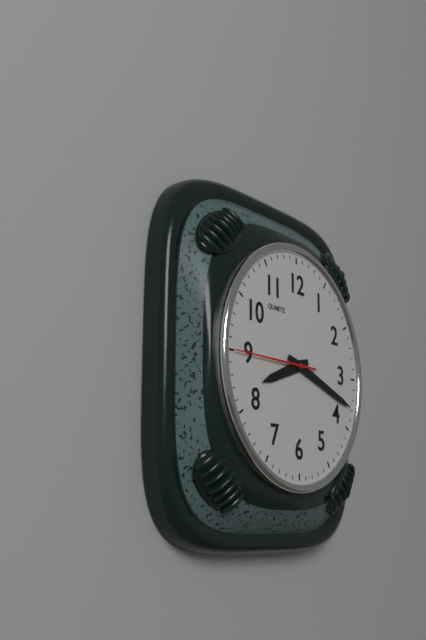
8:18
